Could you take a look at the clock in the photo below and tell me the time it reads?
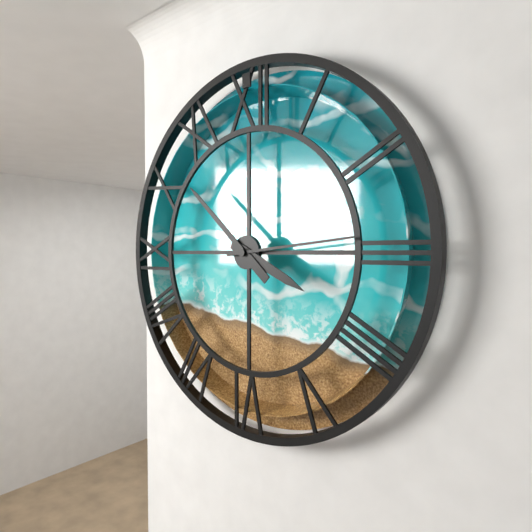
3:52:14
